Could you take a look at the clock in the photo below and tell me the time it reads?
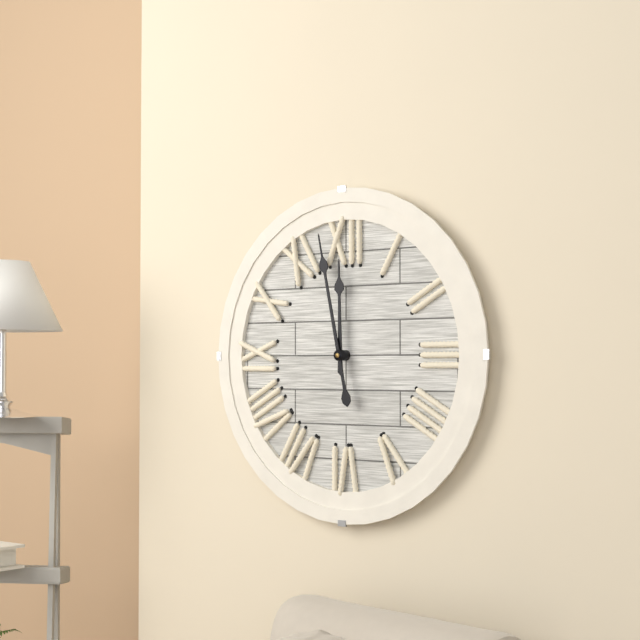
11:58
